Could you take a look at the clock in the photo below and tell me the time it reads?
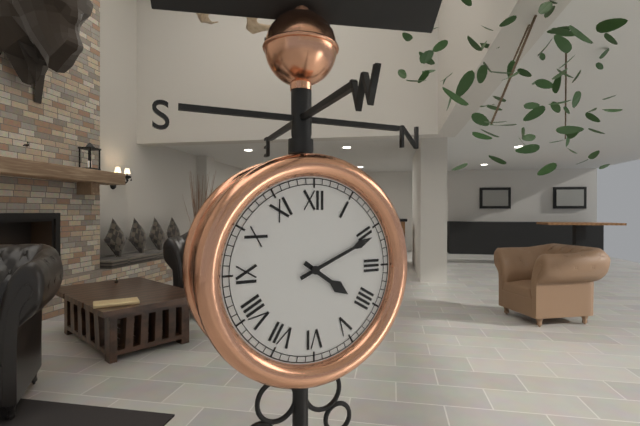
4:11
